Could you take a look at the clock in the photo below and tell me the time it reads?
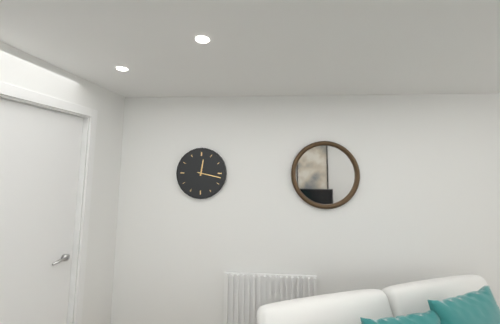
12:17
